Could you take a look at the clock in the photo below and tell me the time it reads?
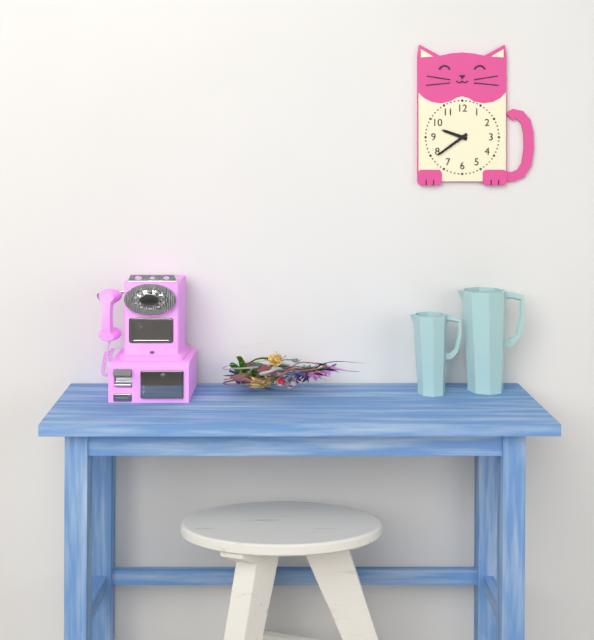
9:39
